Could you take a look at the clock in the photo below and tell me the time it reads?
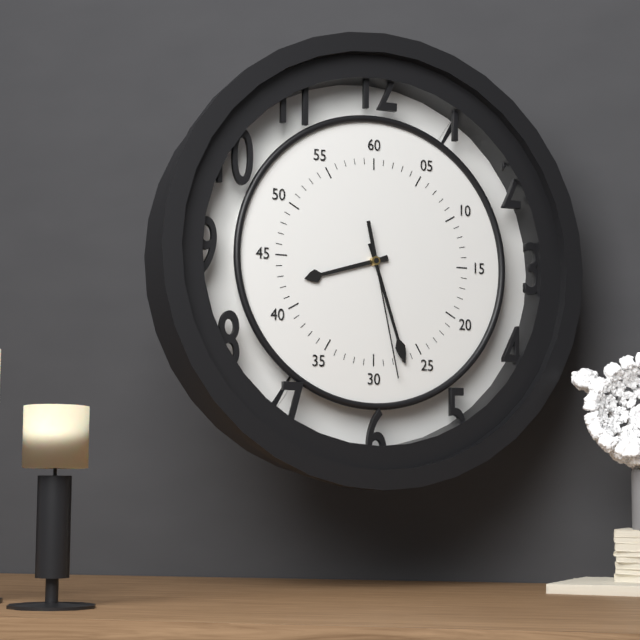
8:27:28
